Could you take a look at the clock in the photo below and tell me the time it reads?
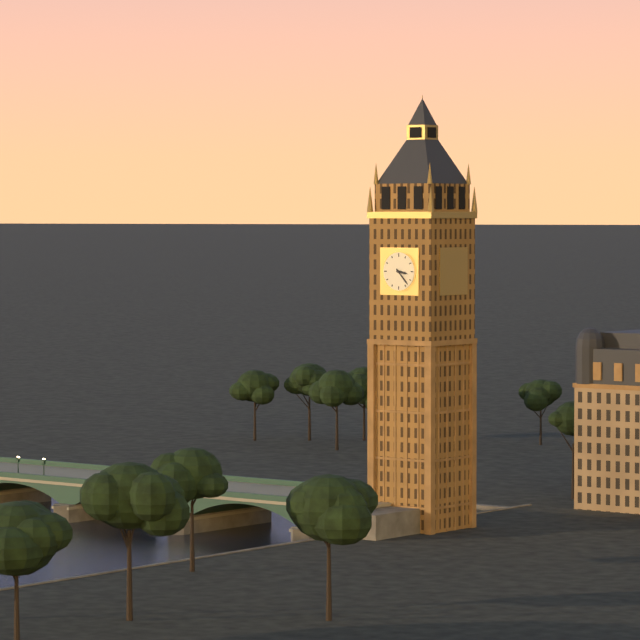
3:23
